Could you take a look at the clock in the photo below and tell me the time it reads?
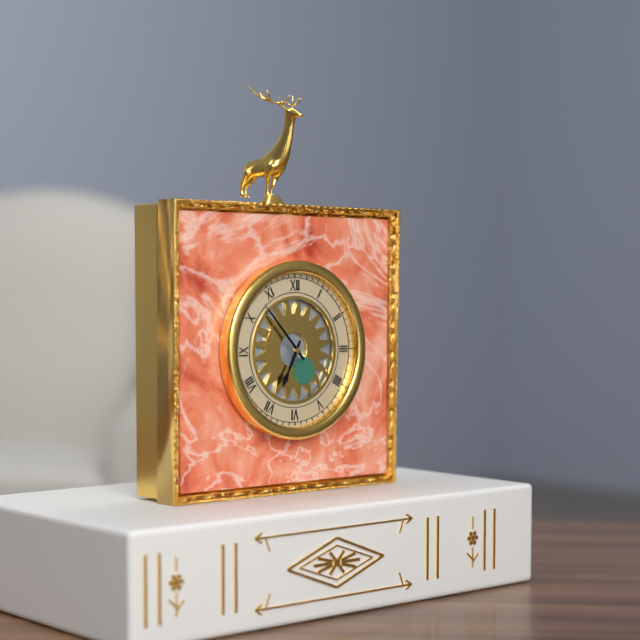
6:53
